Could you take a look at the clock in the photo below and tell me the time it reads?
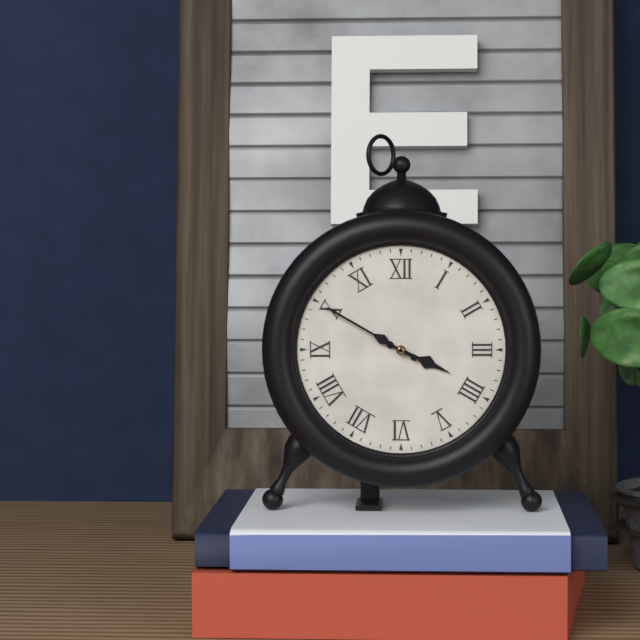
3:50
